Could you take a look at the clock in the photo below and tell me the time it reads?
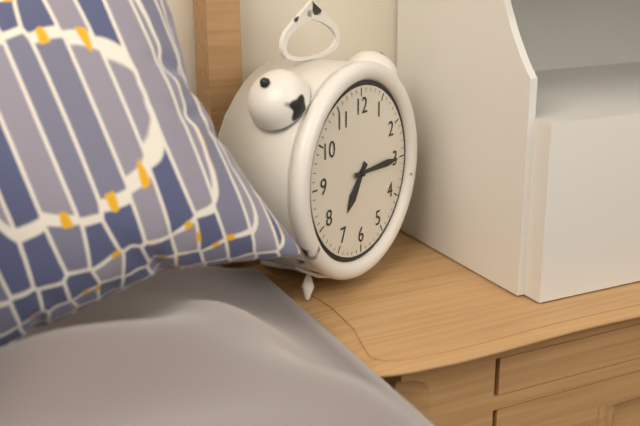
7:15
